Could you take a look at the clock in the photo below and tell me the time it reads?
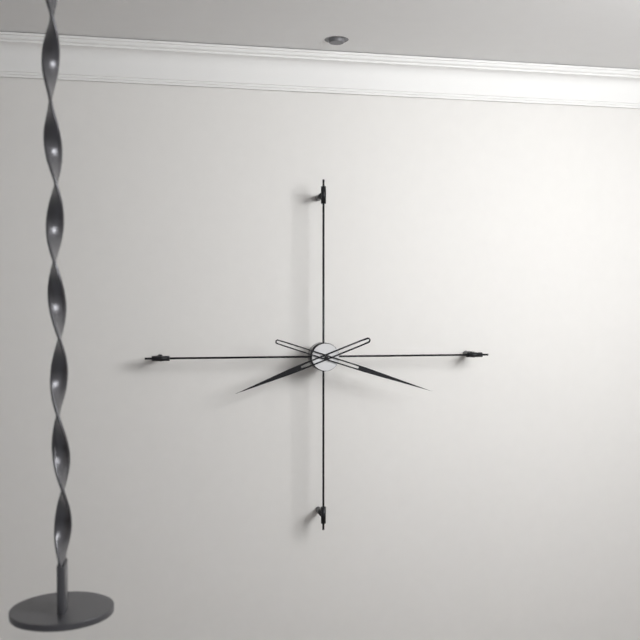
8:18
